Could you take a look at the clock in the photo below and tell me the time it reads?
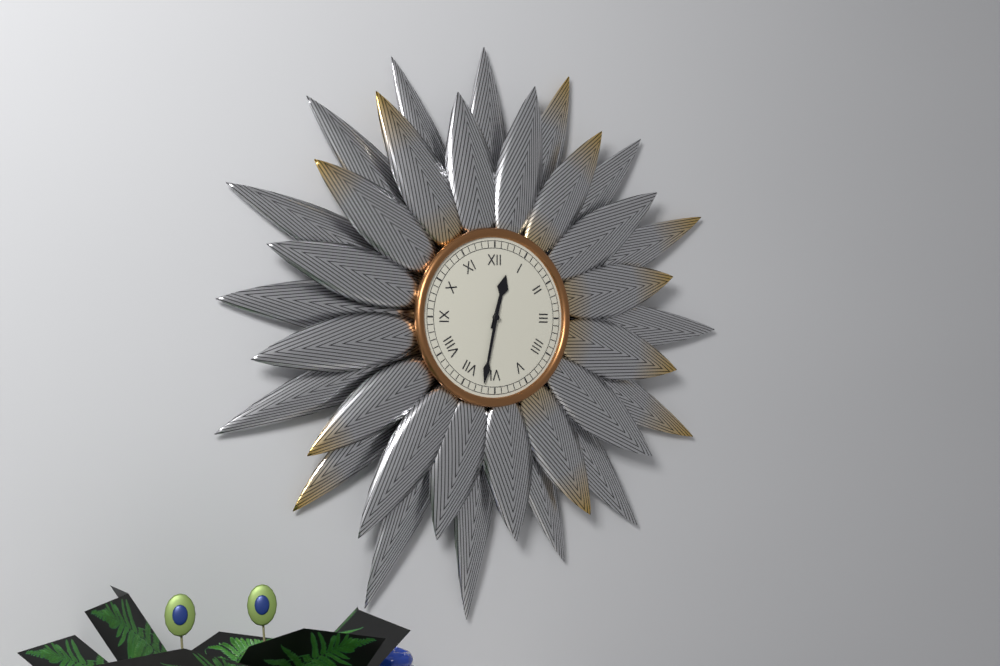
12:32
